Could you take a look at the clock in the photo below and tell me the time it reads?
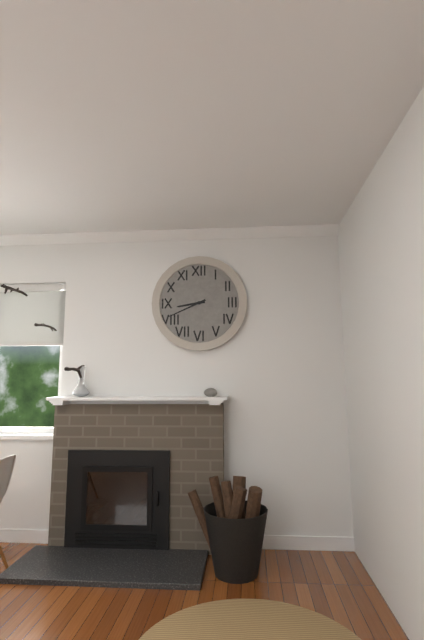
8:41
